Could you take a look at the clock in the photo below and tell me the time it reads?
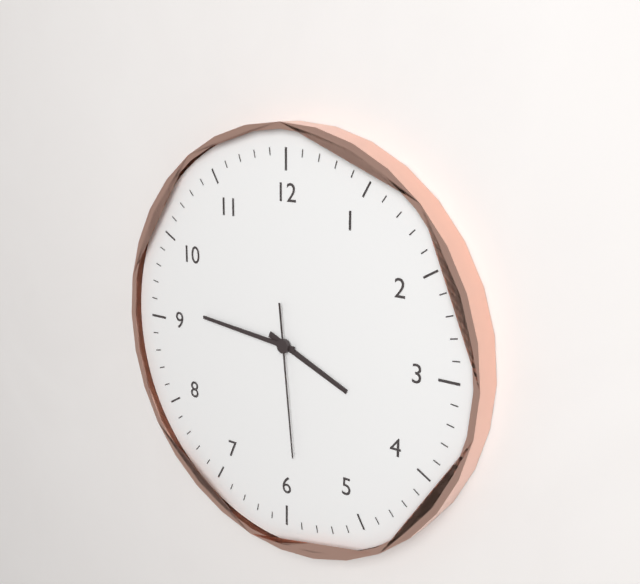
3:46:29
